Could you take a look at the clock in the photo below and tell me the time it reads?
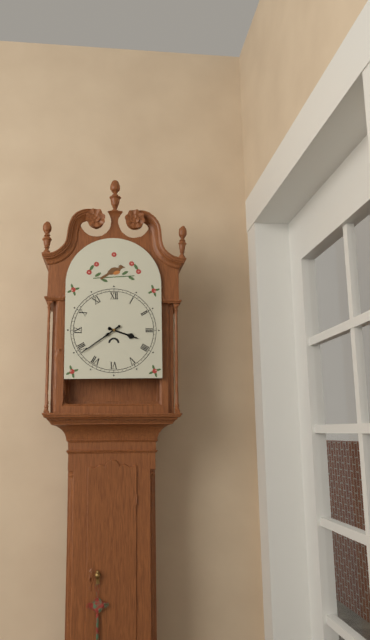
3:39
